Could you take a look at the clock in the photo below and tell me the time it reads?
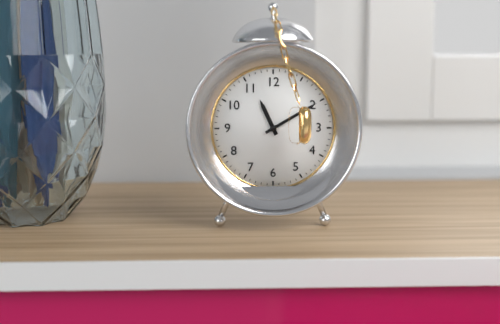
11:10
